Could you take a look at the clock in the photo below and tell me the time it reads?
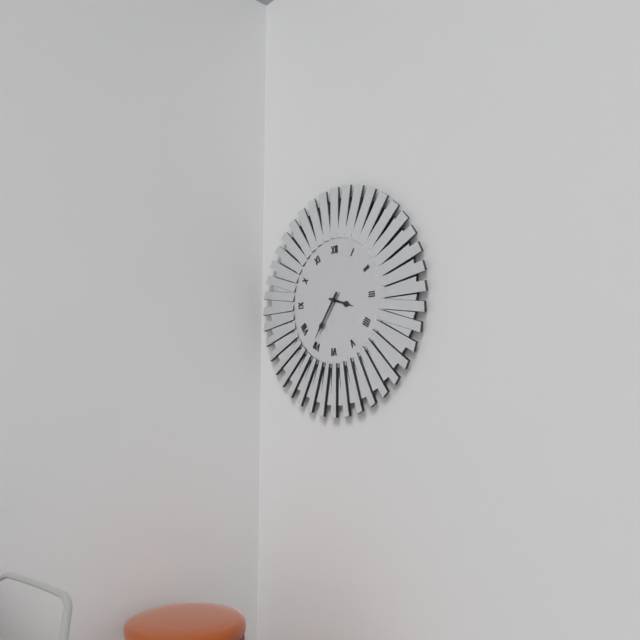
3:36
